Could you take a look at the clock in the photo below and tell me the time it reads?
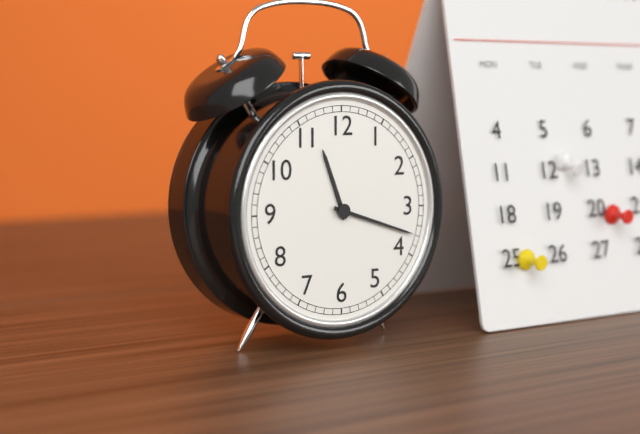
11:18
